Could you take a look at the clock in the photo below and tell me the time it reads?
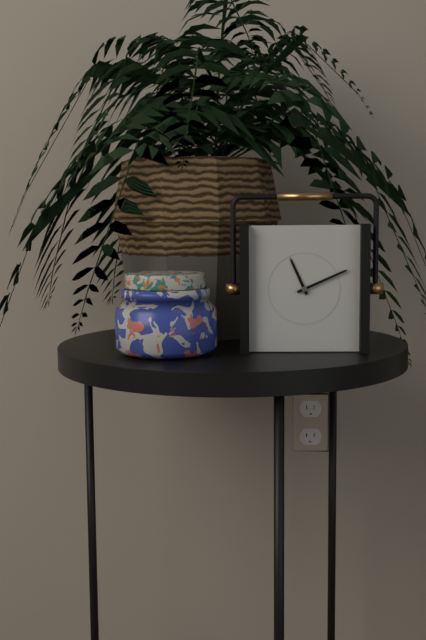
11:11
